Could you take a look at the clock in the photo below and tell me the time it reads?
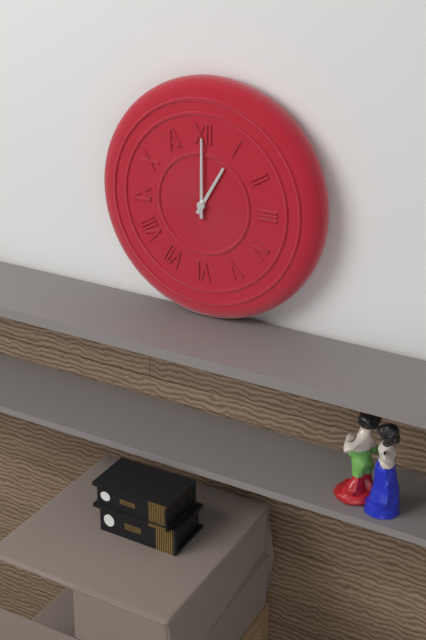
1:00
